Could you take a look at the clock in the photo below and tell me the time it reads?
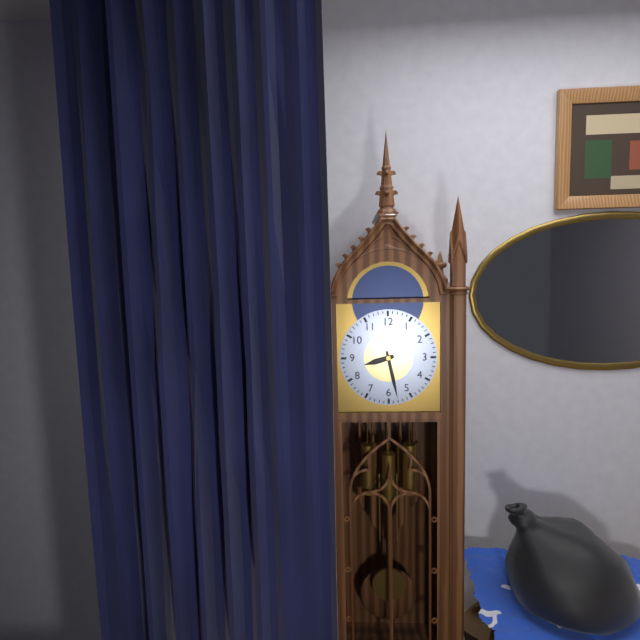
8:28
